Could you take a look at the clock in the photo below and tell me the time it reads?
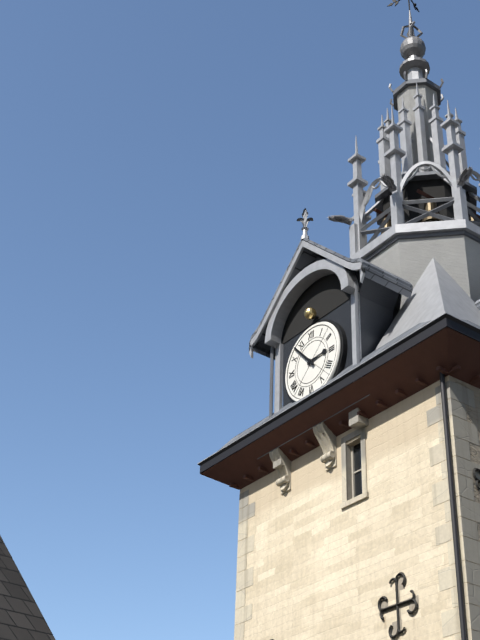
2:53
